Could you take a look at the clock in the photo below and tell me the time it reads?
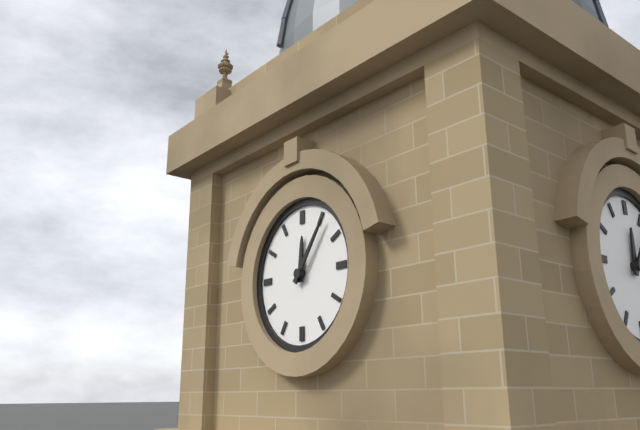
12:06
